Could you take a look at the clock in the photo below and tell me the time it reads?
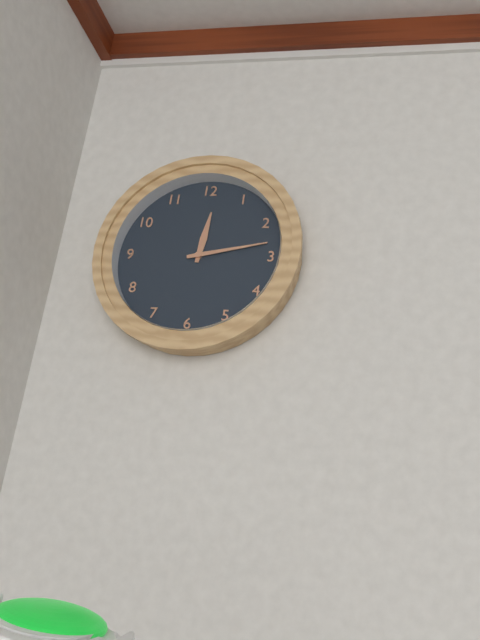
12:13
